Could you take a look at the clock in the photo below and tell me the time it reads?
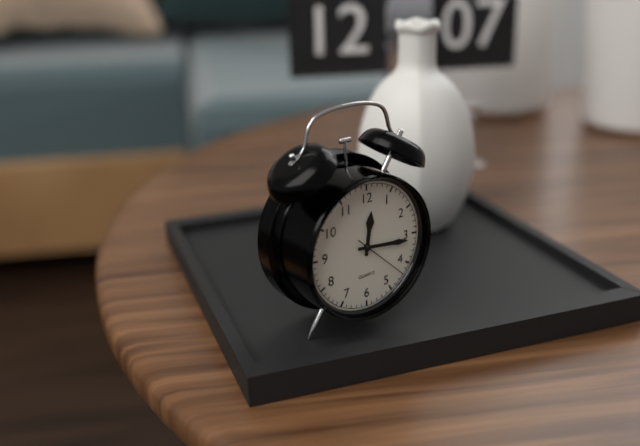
12:16:22
